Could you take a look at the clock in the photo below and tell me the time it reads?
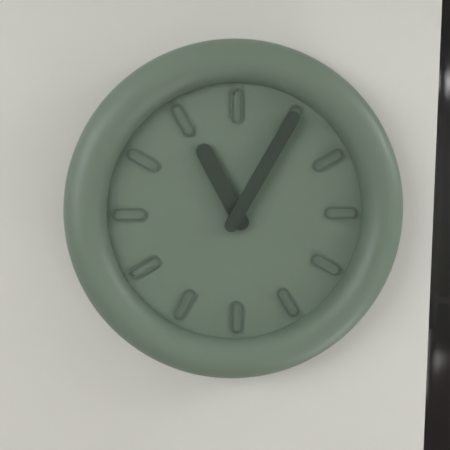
11:05
